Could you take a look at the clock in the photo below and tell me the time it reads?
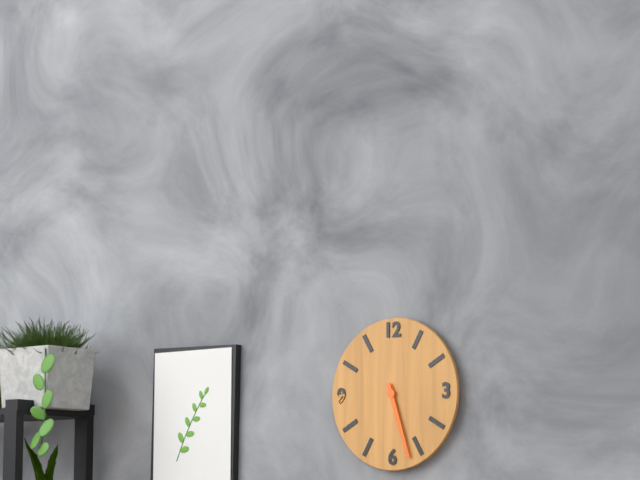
5:27
